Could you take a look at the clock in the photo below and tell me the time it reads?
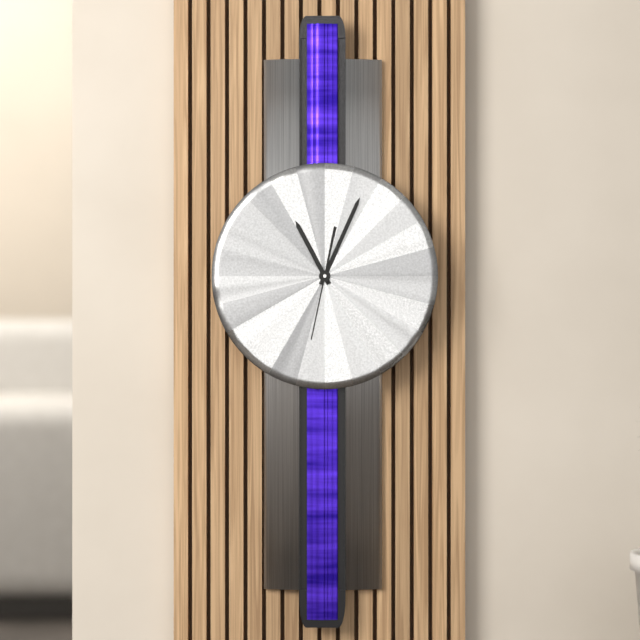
11:04:32
